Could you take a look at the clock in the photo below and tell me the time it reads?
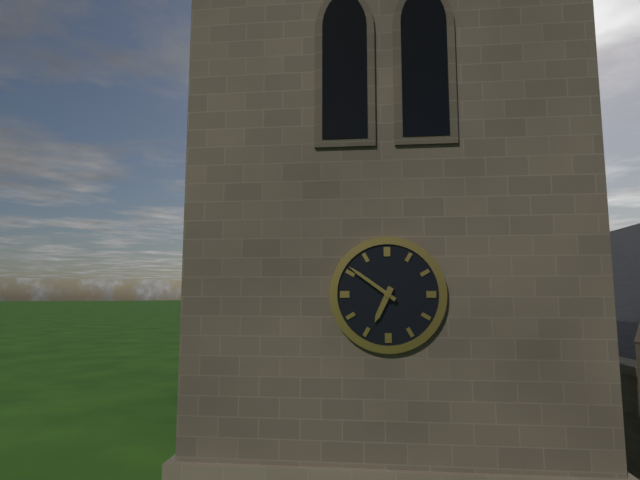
6:51
